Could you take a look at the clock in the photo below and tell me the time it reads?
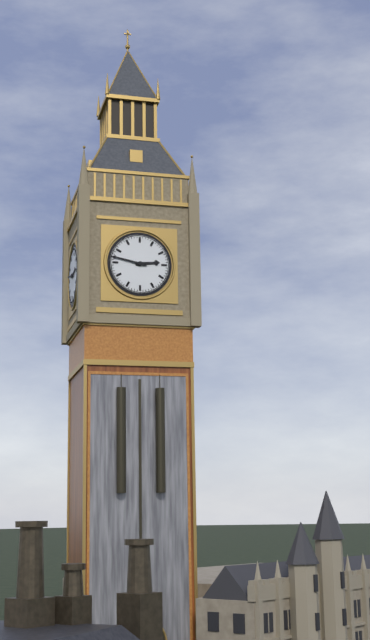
2:47
